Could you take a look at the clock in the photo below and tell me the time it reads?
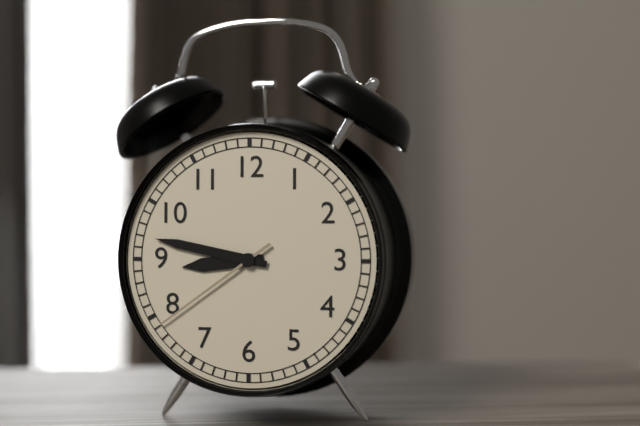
8:47:39
